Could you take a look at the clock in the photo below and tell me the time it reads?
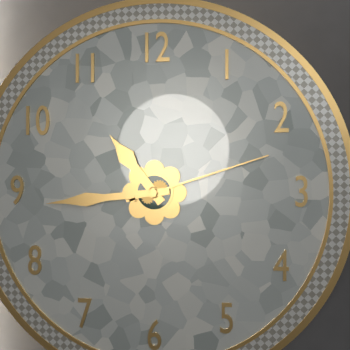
10:44:12
